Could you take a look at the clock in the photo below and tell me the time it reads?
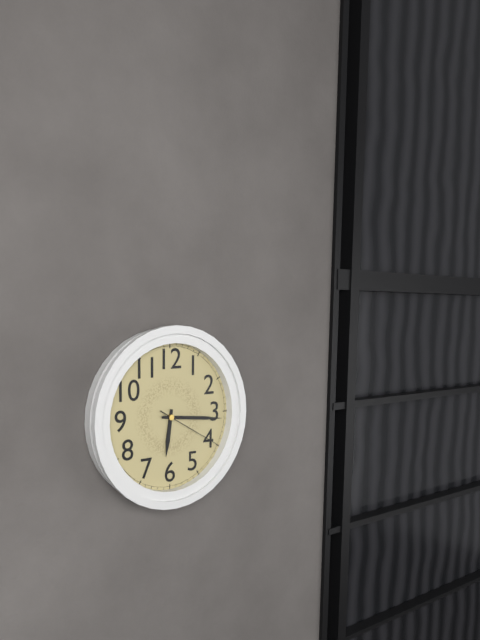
6:16:20
